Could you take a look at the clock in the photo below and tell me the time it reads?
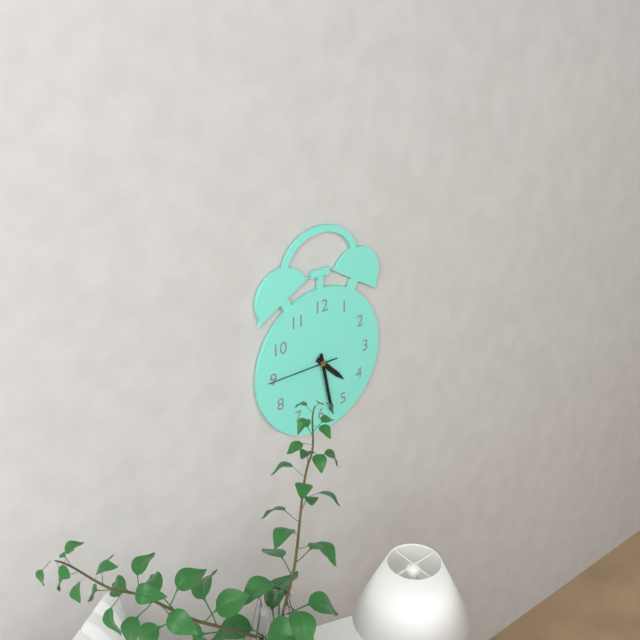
4:28:45
